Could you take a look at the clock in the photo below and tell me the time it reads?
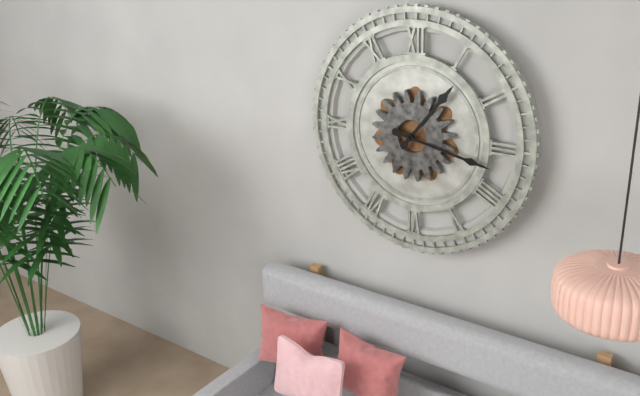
1:17
